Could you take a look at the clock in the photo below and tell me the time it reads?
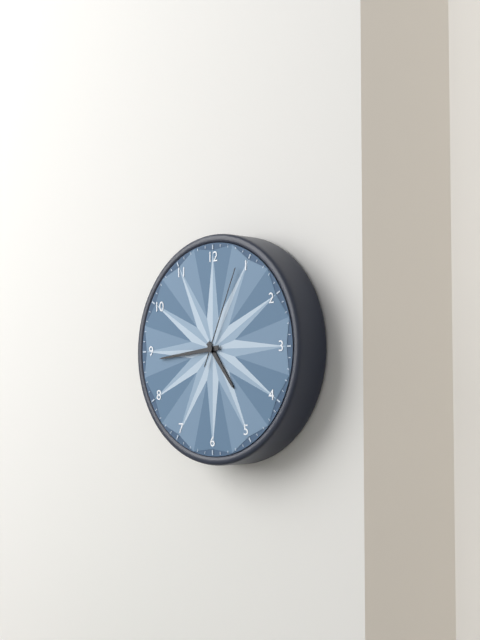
4:44:04
